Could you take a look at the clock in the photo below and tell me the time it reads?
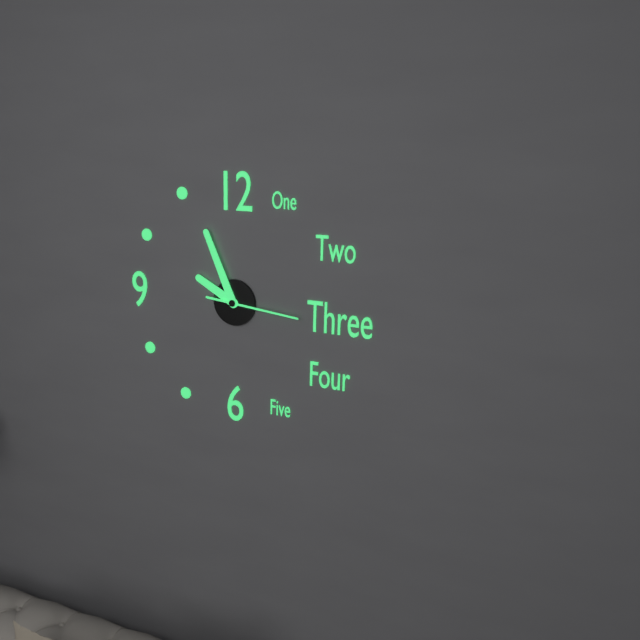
9:56:16
